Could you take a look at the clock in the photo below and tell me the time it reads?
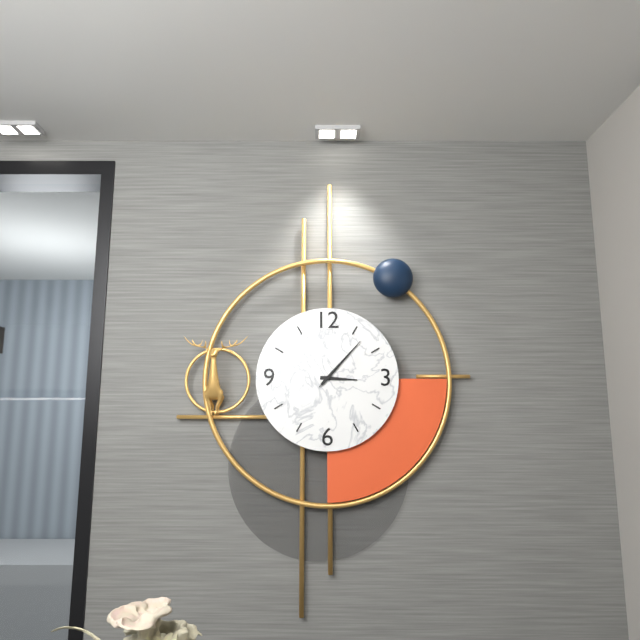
3:07:07
